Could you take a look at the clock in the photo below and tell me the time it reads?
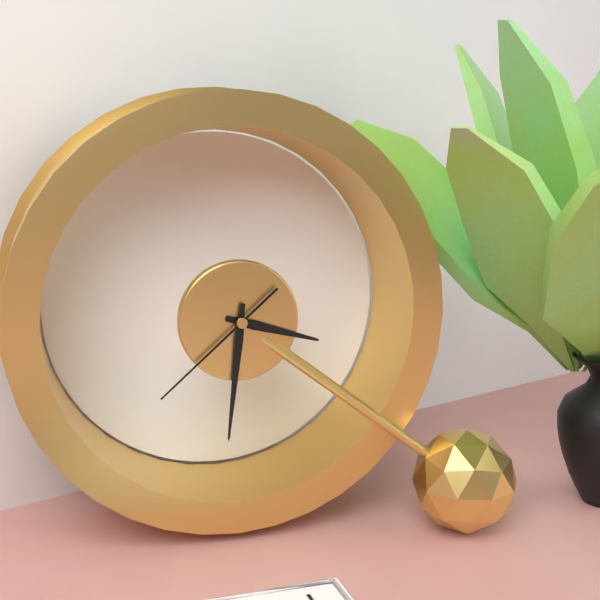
3:31:38
